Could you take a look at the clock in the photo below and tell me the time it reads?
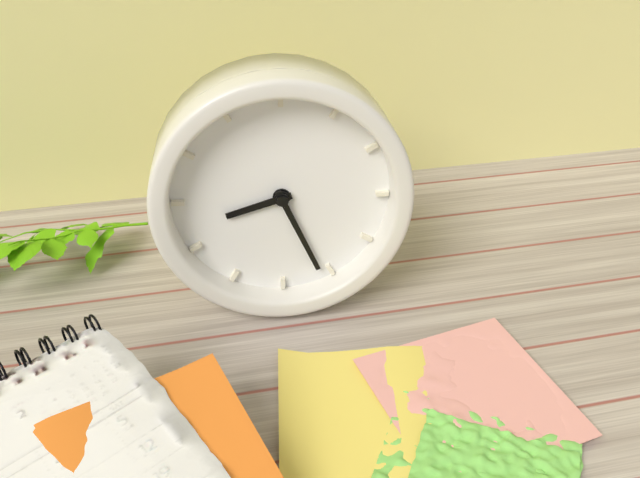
8:26
